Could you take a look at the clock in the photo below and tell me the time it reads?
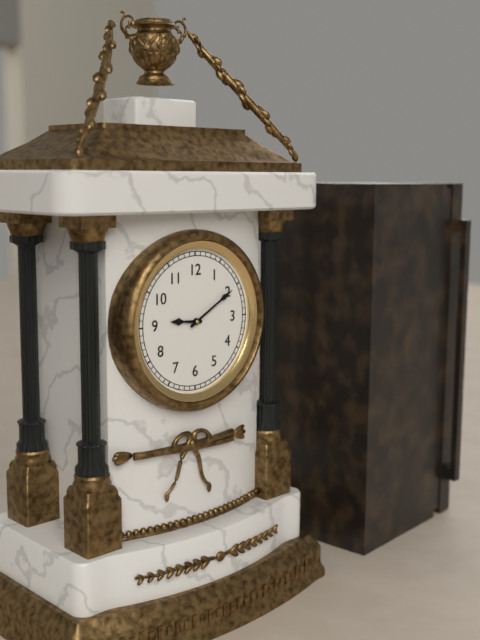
9:10
